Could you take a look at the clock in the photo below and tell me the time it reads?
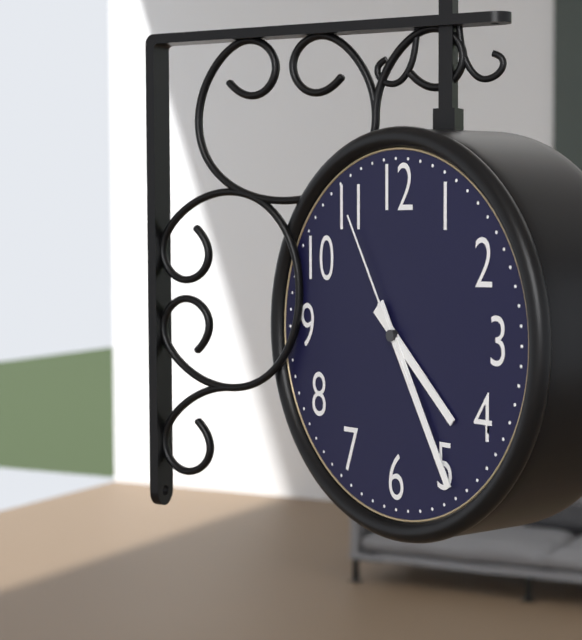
4:25:55
